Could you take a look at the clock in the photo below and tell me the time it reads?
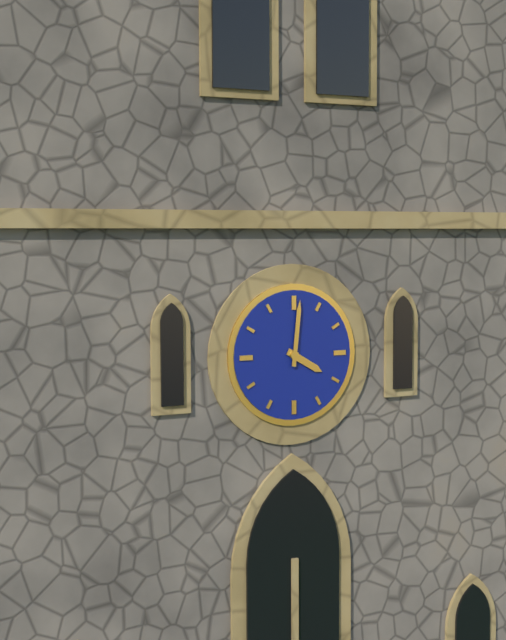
4:01
